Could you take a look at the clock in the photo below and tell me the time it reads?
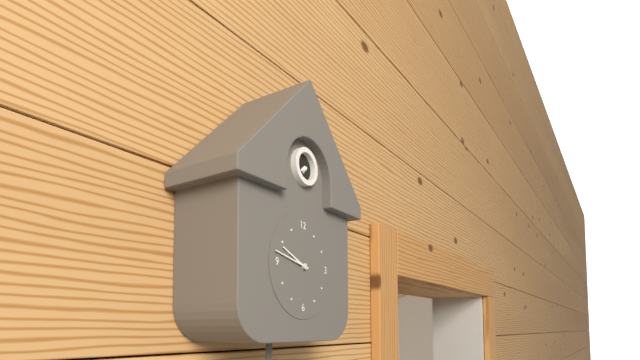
9:47
